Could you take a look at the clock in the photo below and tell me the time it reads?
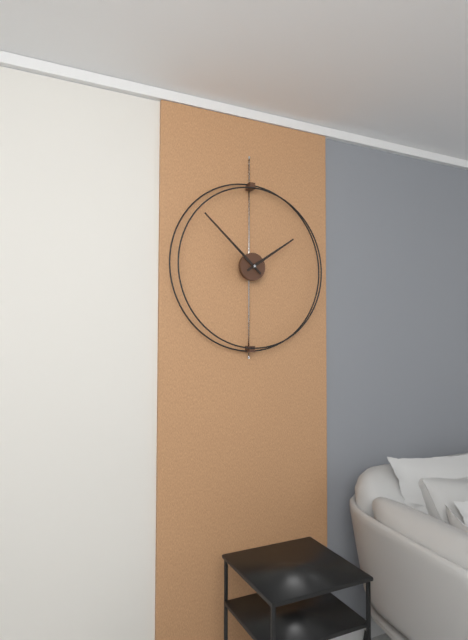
1:52
